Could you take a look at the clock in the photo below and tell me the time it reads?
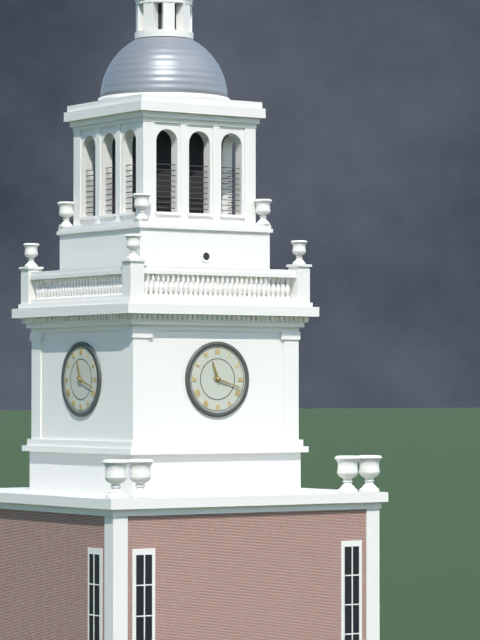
11:18
